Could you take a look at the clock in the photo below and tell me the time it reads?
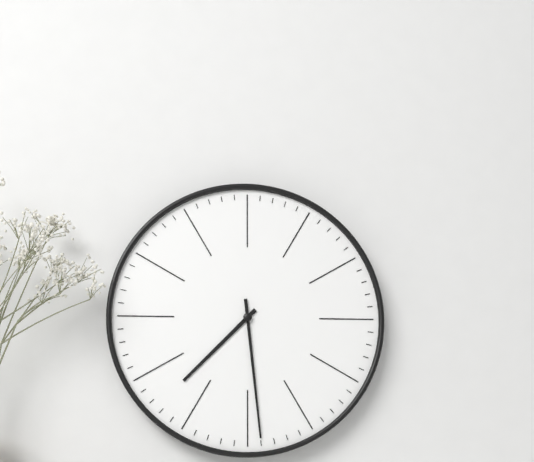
7:29
